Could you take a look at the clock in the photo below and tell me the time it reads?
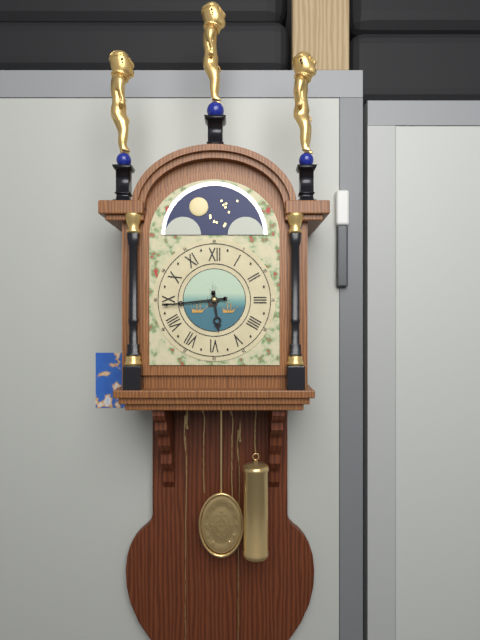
5:44
